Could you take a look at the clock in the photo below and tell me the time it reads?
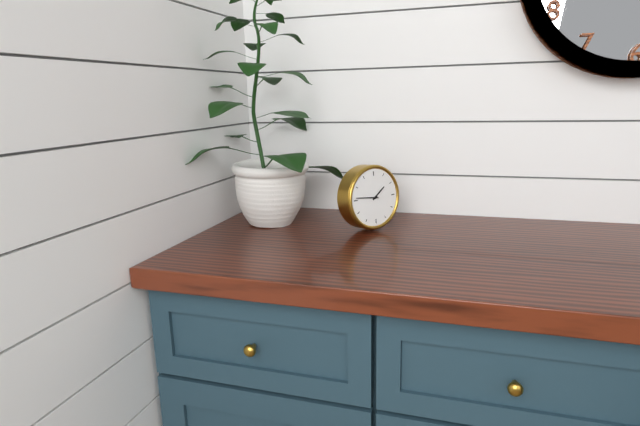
1:46
